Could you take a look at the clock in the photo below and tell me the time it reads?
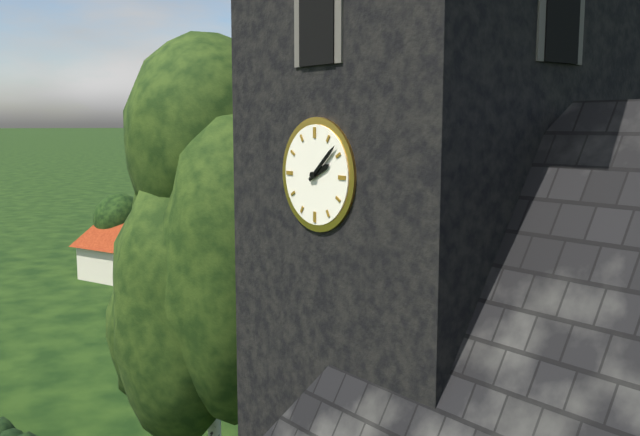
2:08
